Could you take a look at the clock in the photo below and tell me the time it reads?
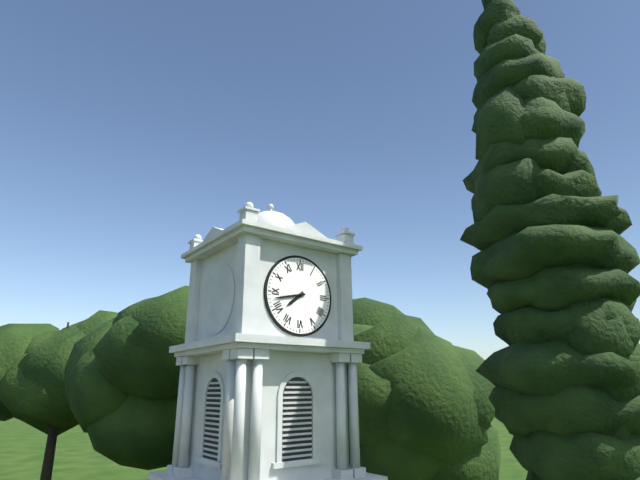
7:43
